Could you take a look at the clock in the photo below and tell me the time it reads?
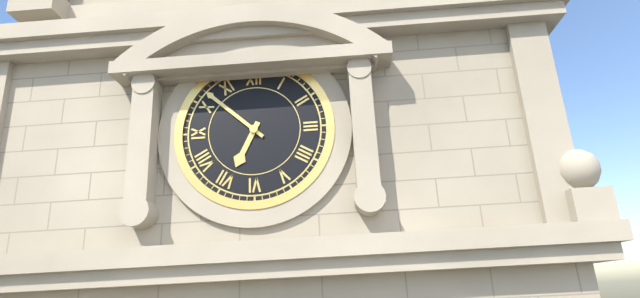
6:52
